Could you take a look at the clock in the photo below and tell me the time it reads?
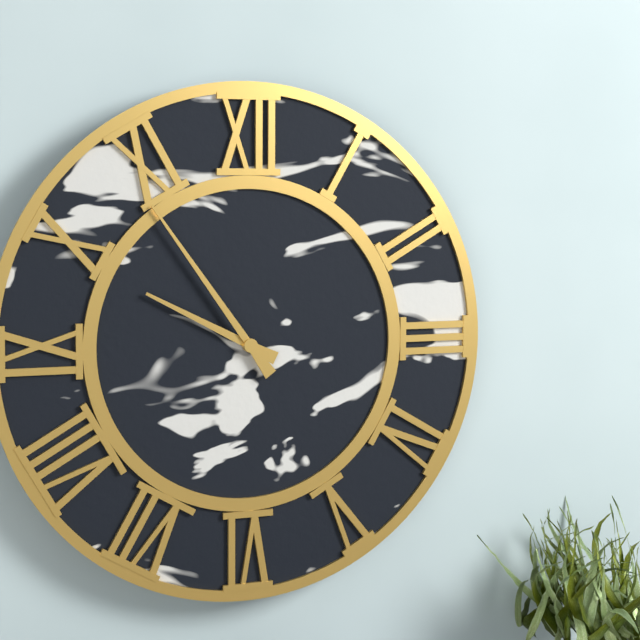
9:54
